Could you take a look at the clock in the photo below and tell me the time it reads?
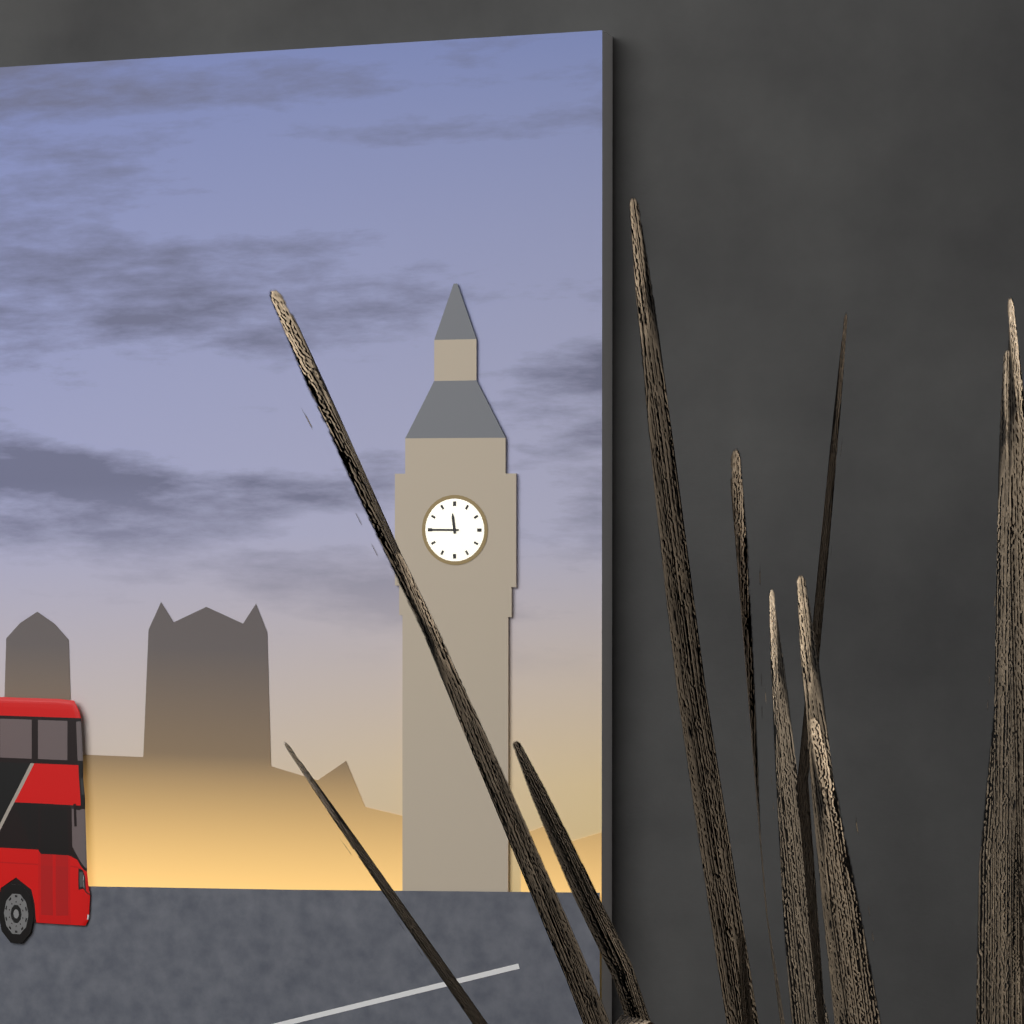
11:45
